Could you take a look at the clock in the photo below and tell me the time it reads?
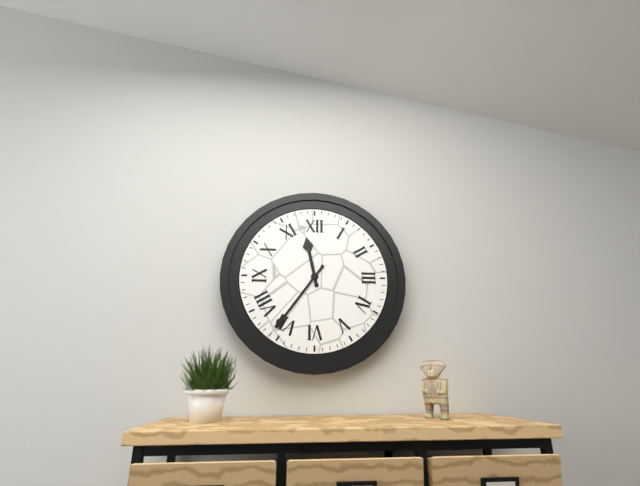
11:36
